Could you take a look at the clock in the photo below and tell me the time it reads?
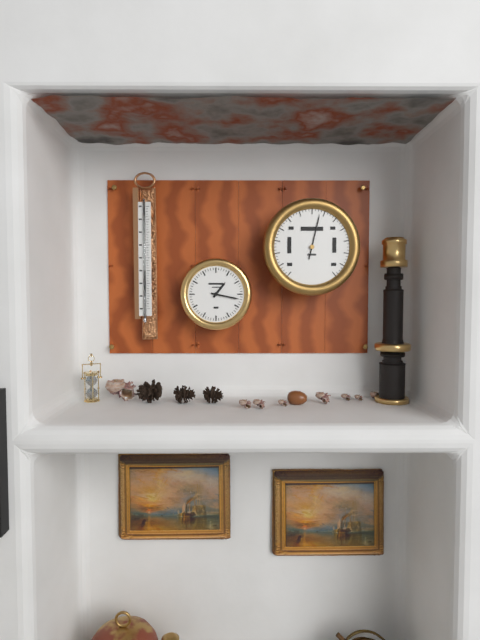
1:17
